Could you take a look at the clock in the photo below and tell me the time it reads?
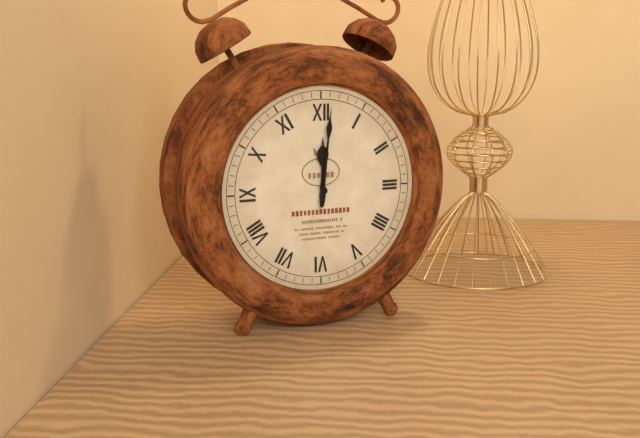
12:01
